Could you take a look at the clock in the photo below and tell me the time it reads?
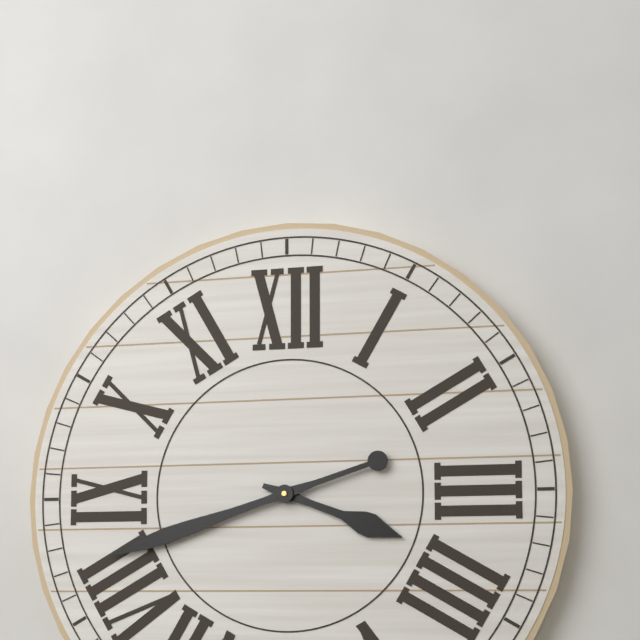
3:42
